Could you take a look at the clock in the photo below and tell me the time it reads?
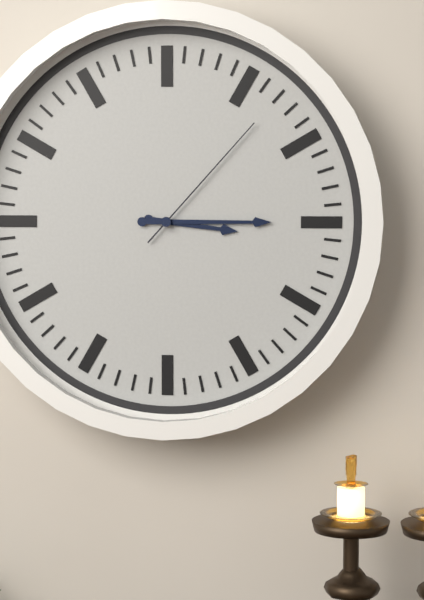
3:15:07
